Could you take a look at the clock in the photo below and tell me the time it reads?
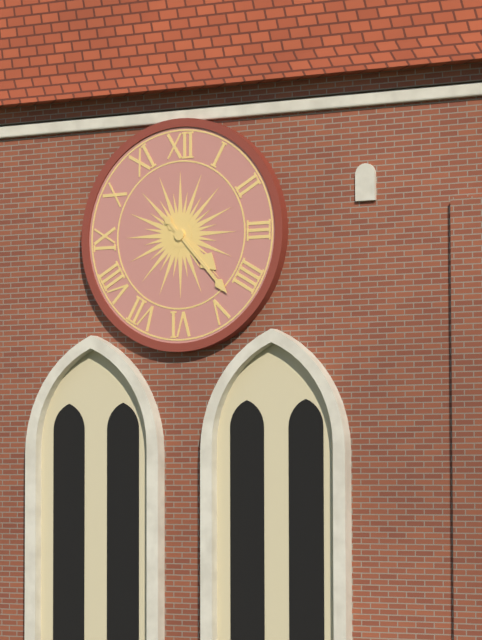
4:23
